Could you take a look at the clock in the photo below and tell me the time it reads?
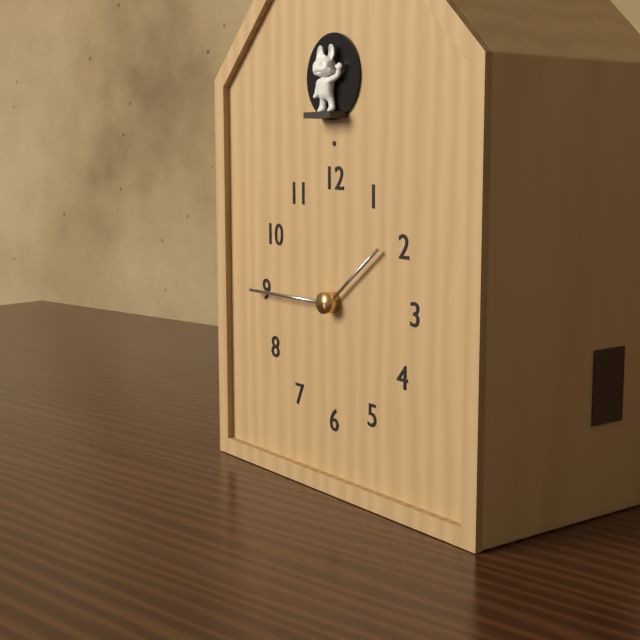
1:45
